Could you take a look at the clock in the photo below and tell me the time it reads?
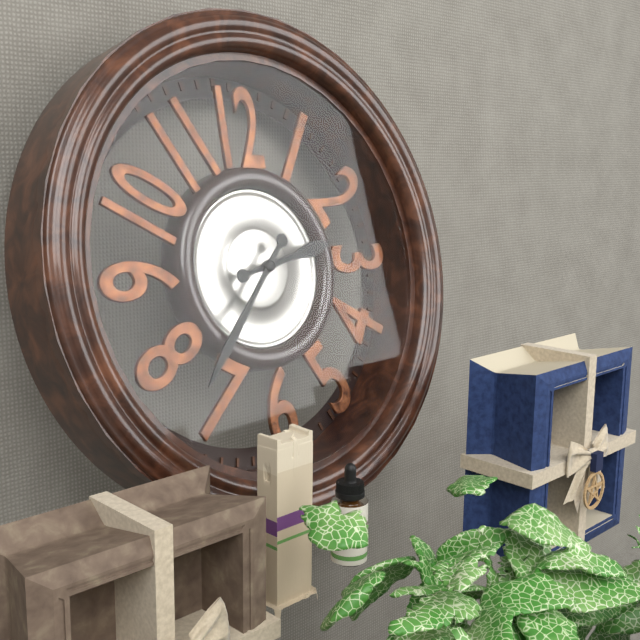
2:37
